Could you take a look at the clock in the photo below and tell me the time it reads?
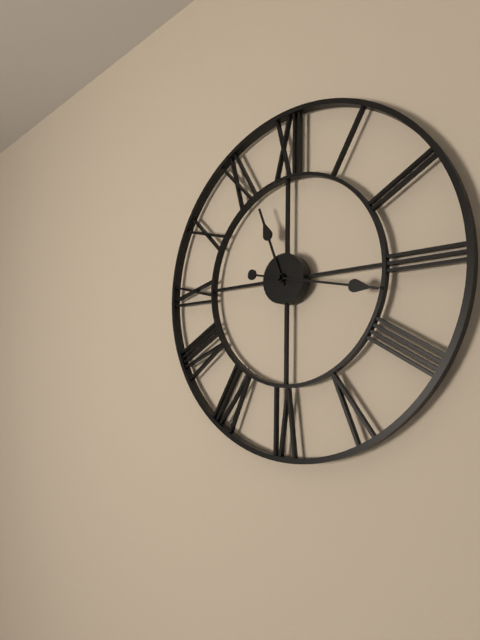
11:17
